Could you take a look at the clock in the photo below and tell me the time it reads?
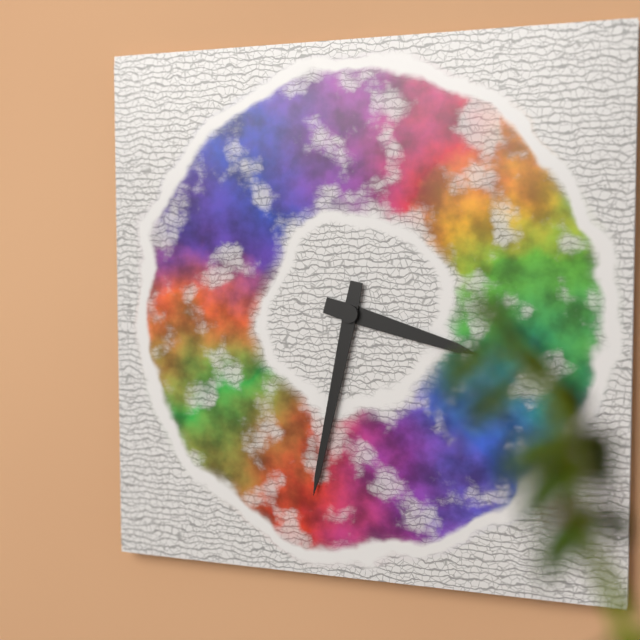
3:32
